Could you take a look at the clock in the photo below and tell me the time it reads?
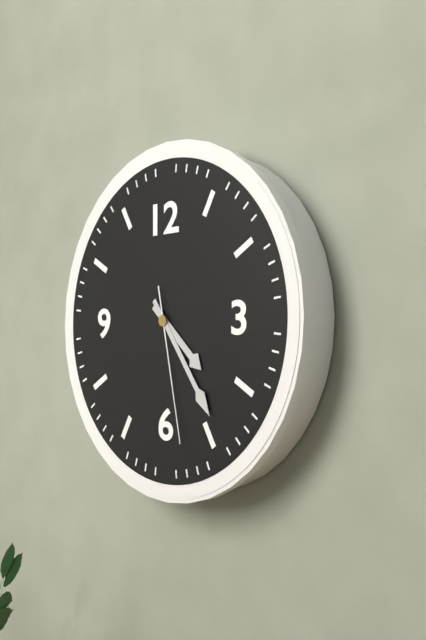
4:24:28
